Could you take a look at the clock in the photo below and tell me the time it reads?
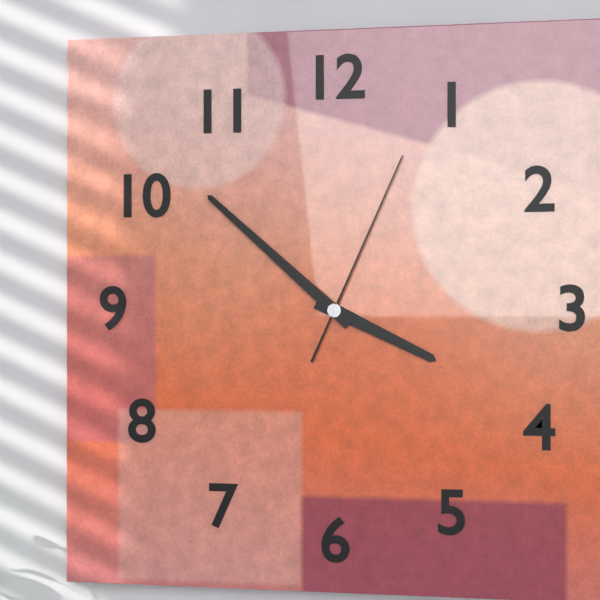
3:52:04
